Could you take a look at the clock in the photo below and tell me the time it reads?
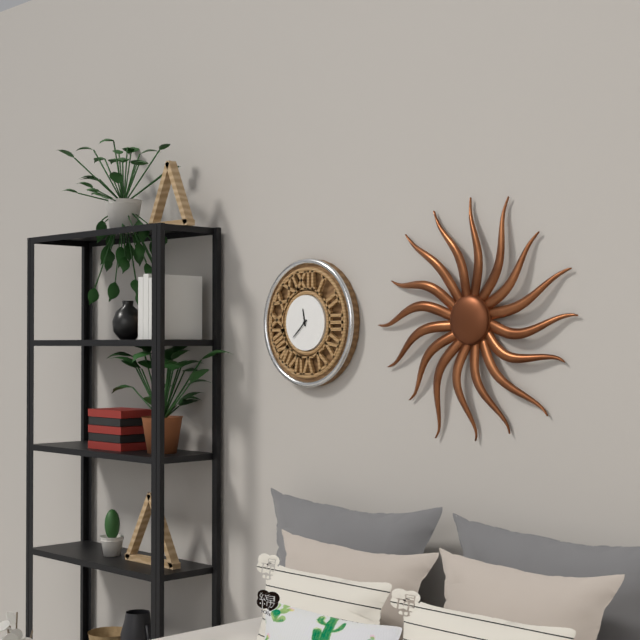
11:38
